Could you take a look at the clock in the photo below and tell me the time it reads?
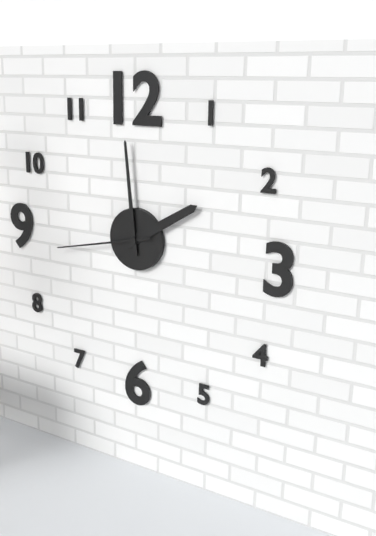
1:59:43
